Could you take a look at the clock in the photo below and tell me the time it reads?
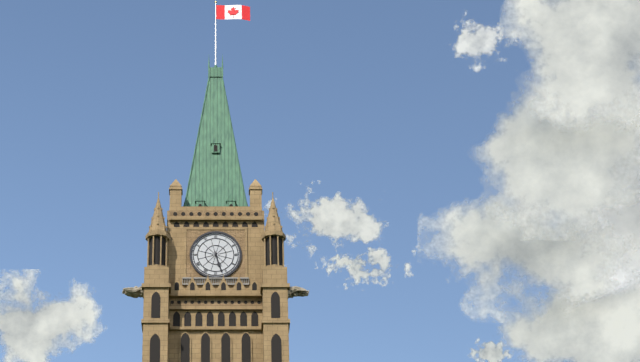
5:27
